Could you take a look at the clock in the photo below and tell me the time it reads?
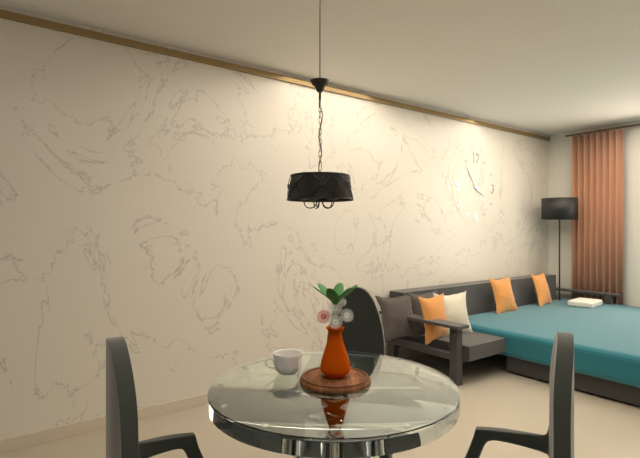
3:54
